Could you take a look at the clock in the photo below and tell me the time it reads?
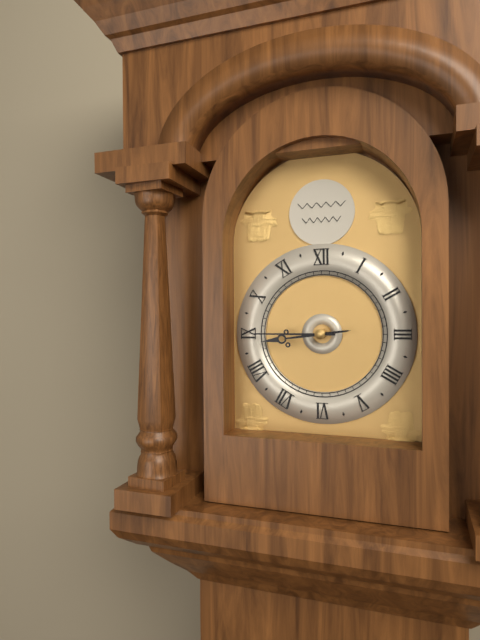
8:45
